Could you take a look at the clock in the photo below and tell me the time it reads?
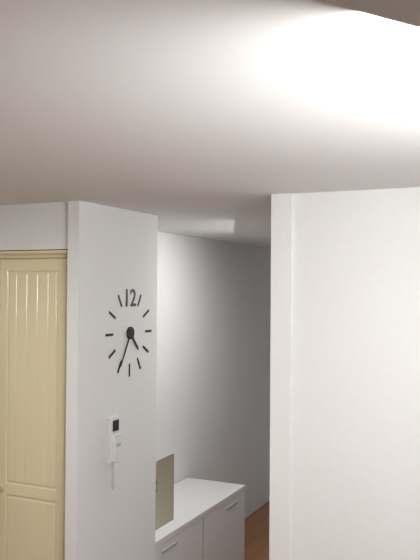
4:35
